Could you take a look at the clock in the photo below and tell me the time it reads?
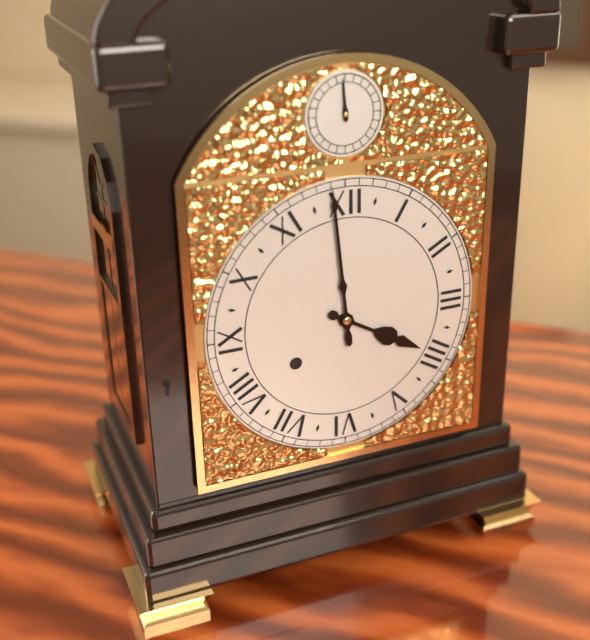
3:59
